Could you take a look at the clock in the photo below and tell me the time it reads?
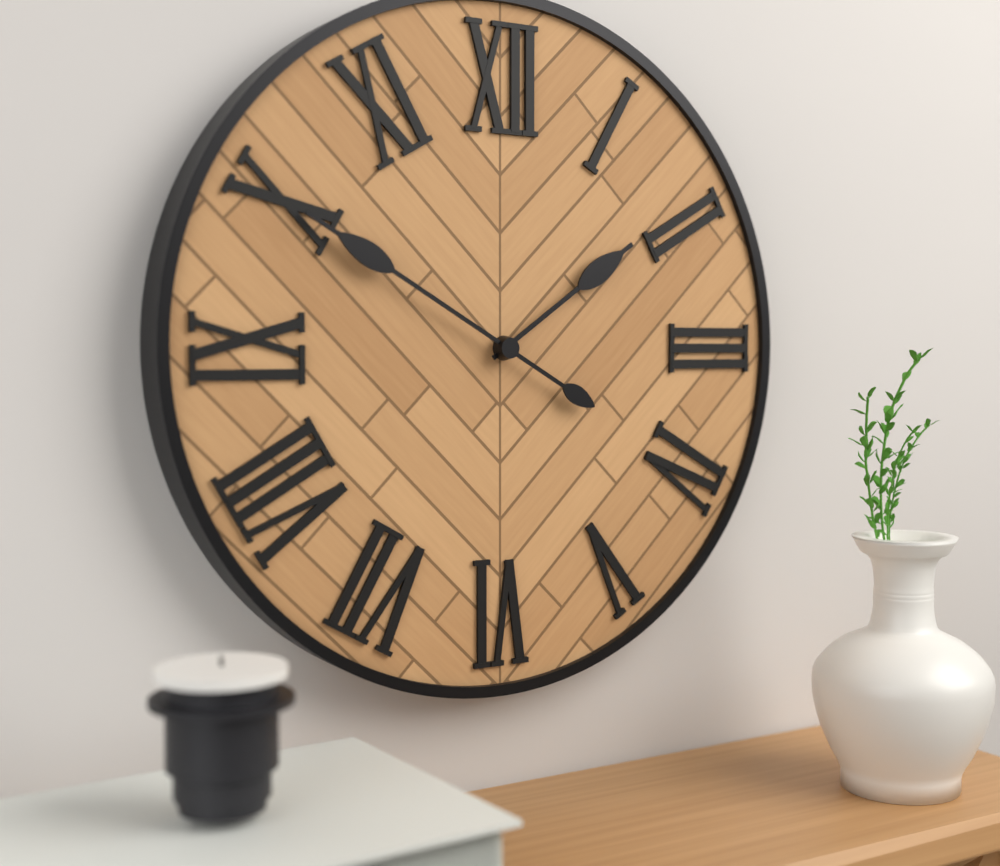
1:50
